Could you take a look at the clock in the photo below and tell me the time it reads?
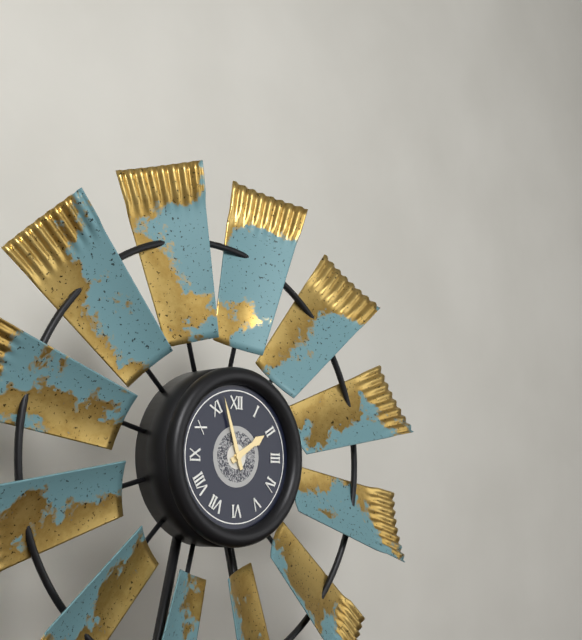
1:57
